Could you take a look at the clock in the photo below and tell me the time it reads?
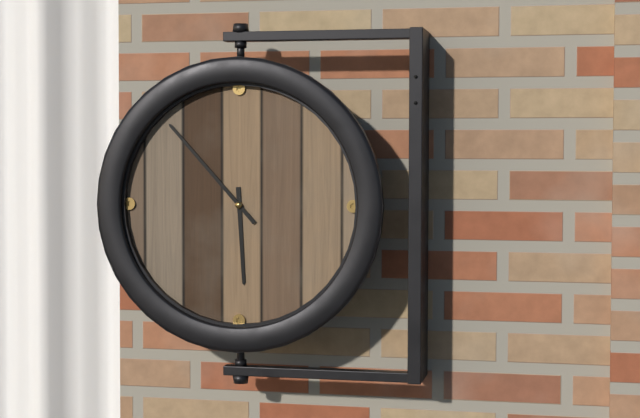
5:53
